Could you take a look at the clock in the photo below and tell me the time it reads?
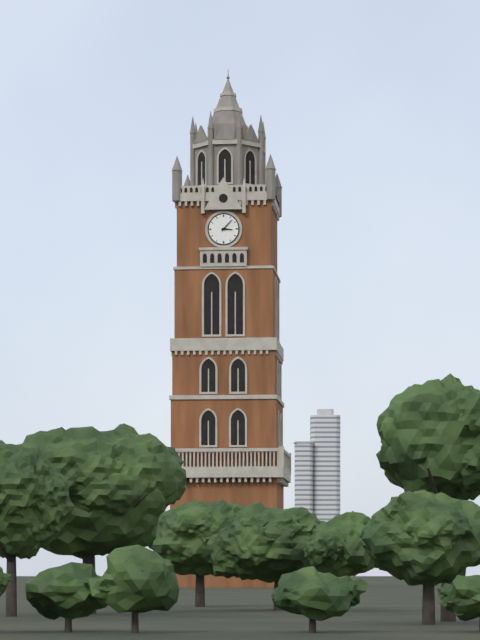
3:07
